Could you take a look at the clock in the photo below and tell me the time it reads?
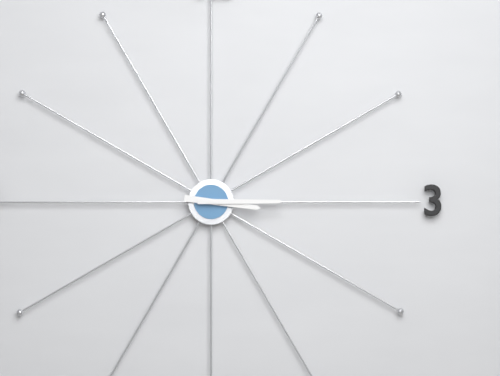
3:15
